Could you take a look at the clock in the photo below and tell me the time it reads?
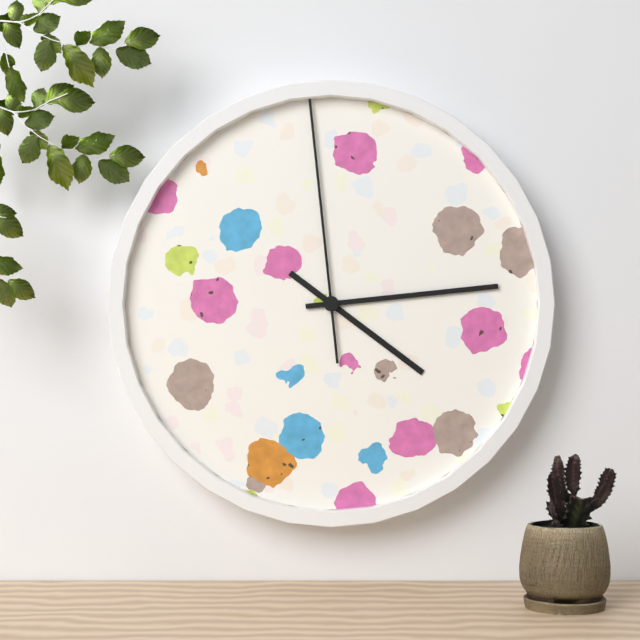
4:14:59
